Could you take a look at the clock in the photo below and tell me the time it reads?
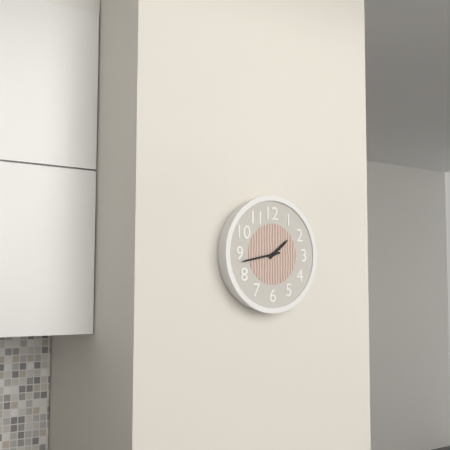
1:43
